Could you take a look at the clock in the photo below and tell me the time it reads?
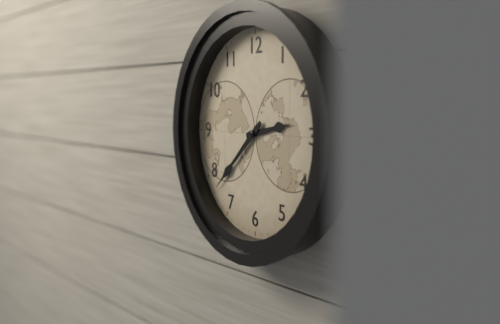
2:38
